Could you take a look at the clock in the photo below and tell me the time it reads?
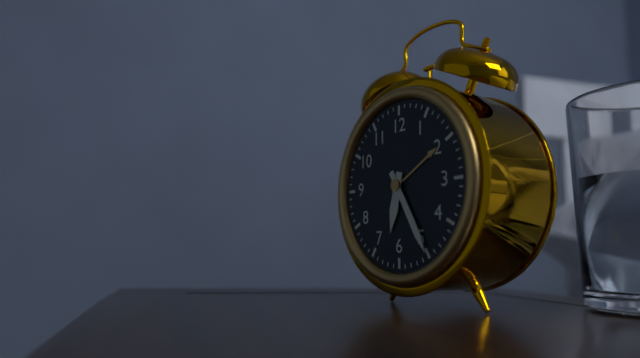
6:25
